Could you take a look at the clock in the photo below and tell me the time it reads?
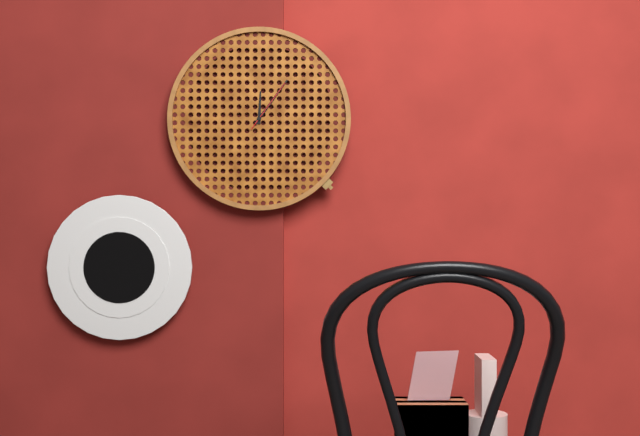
12:06:06
